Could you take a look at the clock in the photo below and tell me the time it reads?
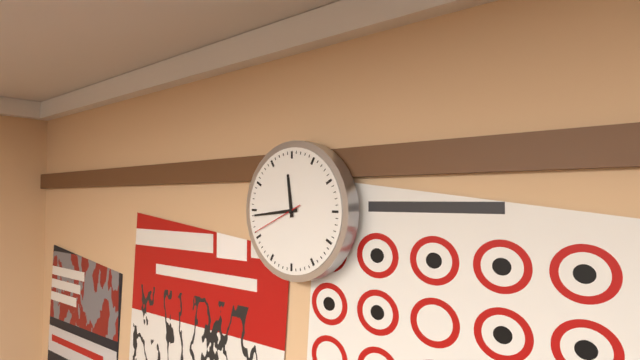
11:44:41
